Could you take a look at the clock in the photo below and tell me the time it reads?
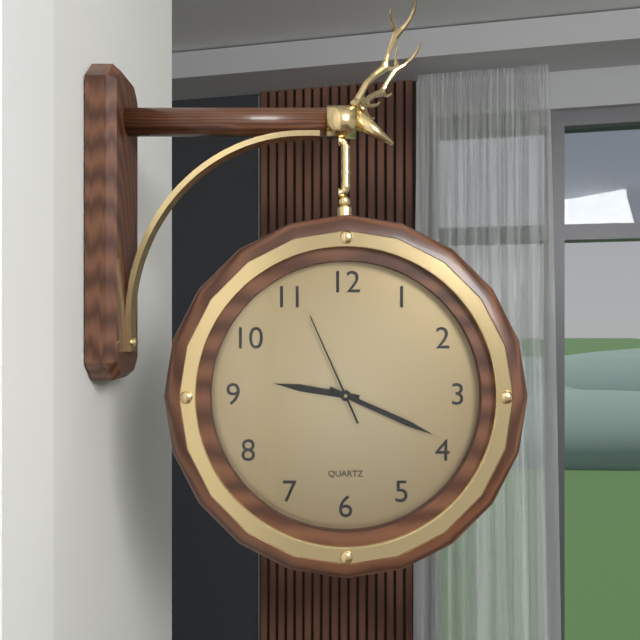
9:19:56
